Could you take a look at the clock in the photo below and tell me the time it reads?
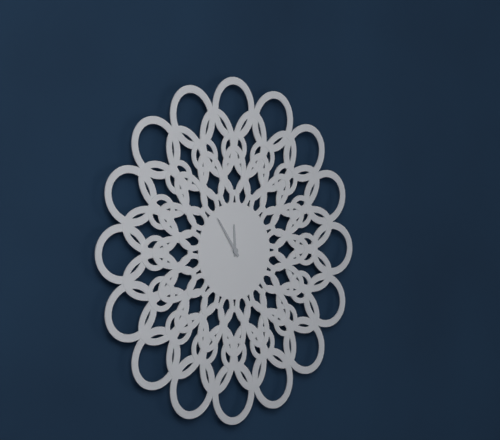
11:54
